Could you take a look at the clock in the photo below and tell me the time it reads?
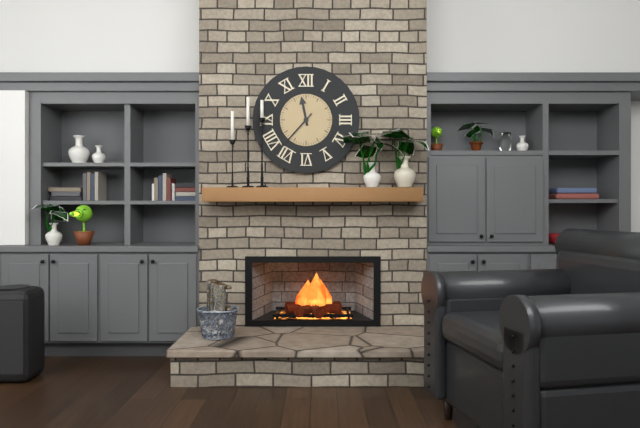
11:37
